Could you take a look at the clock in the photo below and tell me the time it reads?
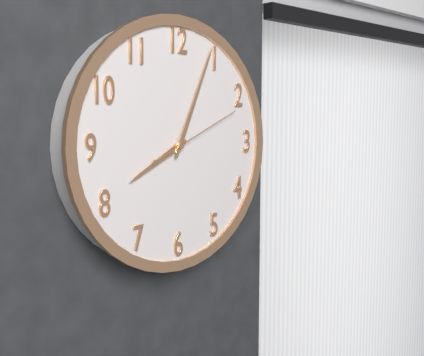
8:04:11
